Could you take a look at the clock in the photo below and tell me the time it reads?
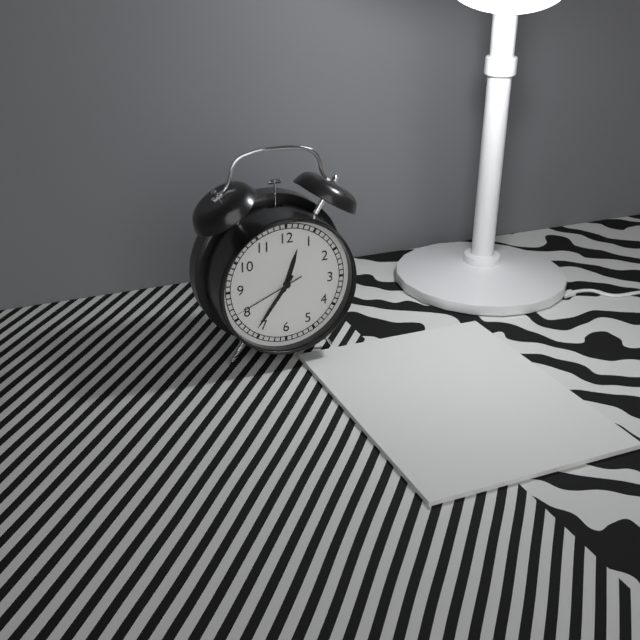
12:36:41
